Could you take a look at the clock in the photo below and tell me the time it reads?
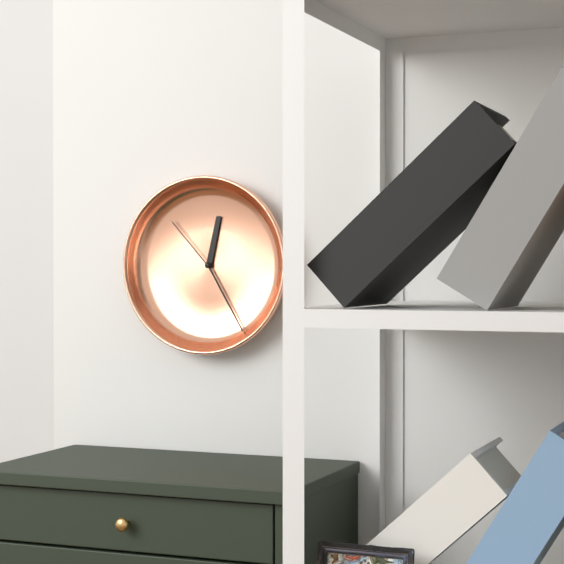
12:25:53
